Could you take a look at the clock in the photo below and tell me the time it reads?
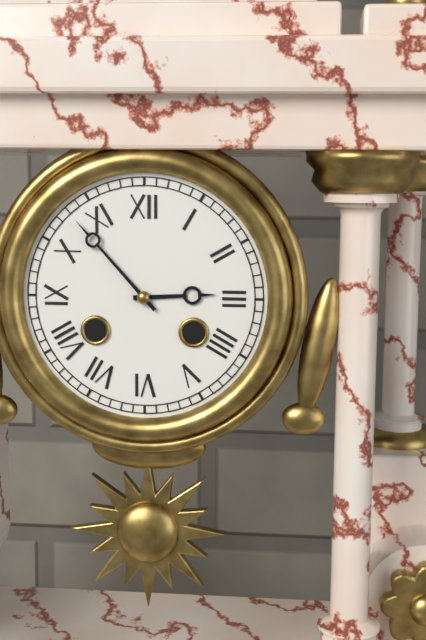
2:53
